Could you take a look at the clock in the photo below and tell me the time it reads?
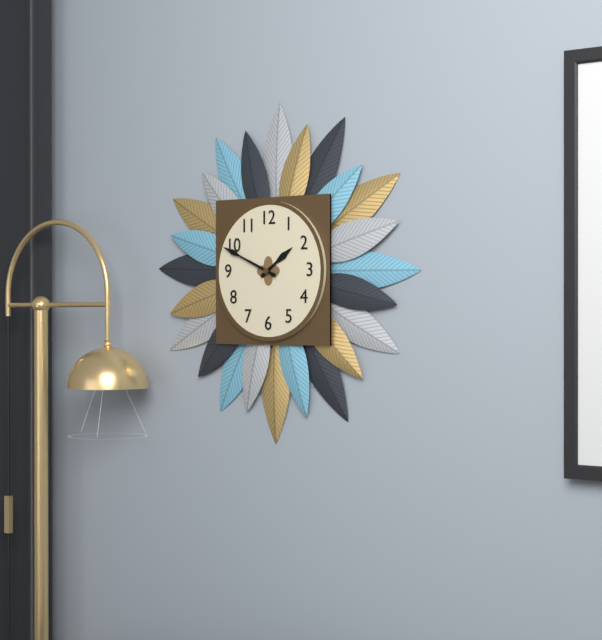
1:49
